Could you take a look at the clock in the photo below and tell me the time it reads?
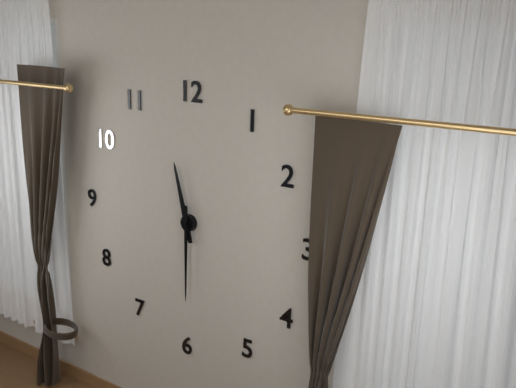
11:30
